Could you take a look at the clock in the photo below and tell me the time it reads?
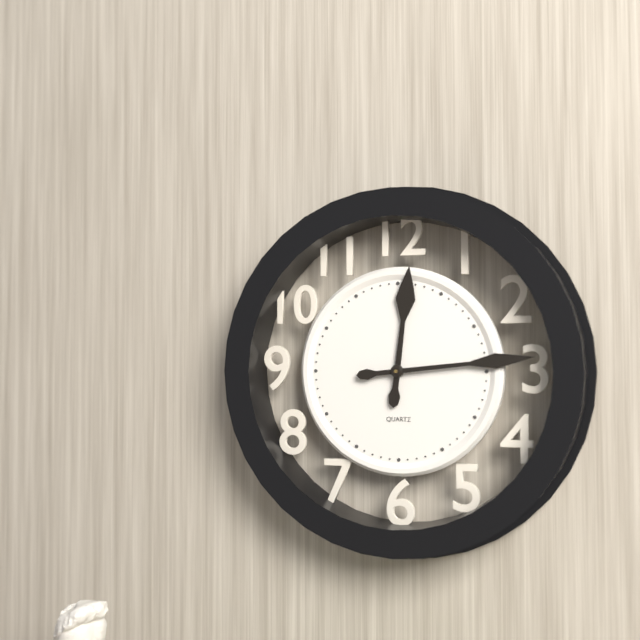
12:14
